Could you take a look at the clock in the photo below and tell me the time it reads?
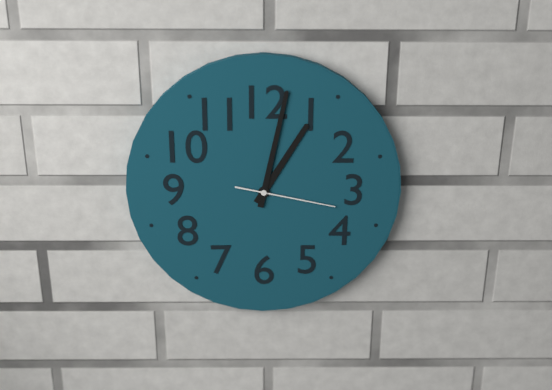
1:02:17
